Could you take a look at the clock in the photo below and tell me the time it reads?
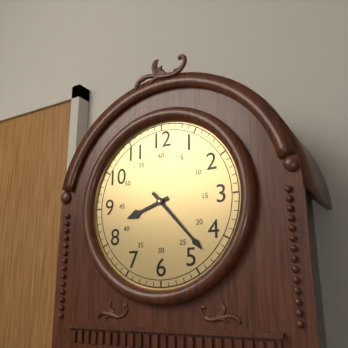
8:23
